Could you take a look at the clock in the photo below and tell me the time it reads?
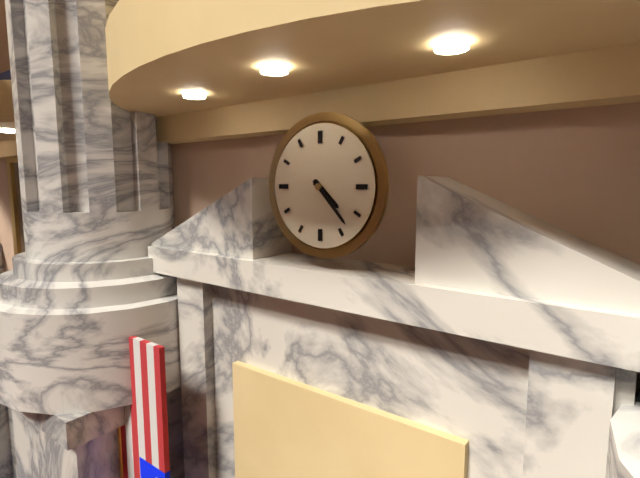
4:23
